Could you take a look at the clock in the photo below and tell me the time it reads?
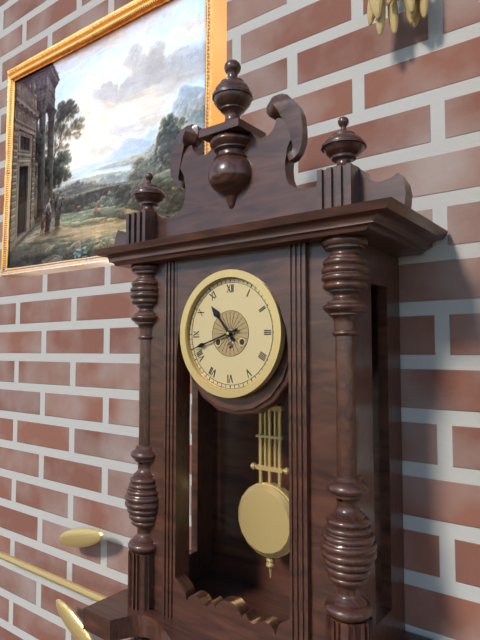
10:42
